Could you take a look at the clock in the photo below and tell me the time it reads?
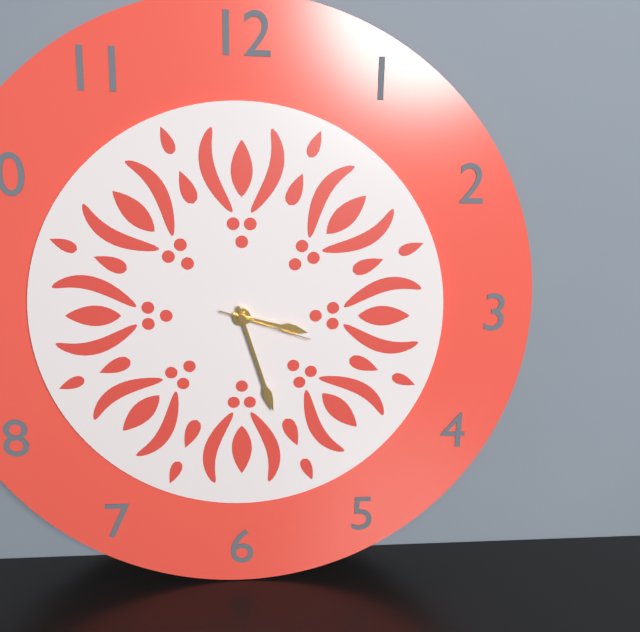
3:27:18
